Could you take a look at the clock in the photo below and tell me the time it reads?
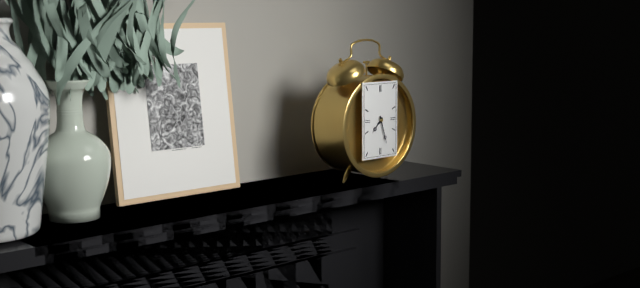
7:27
